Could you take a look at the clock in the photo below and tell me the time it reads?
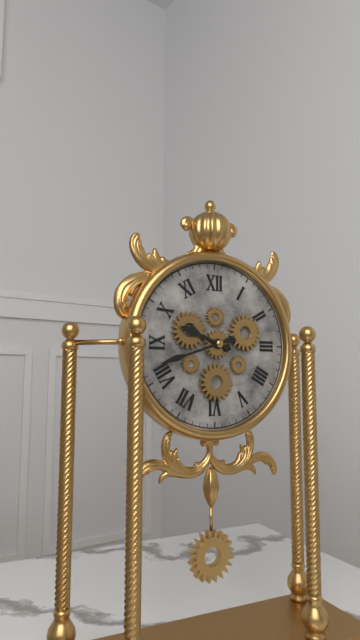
9:42
